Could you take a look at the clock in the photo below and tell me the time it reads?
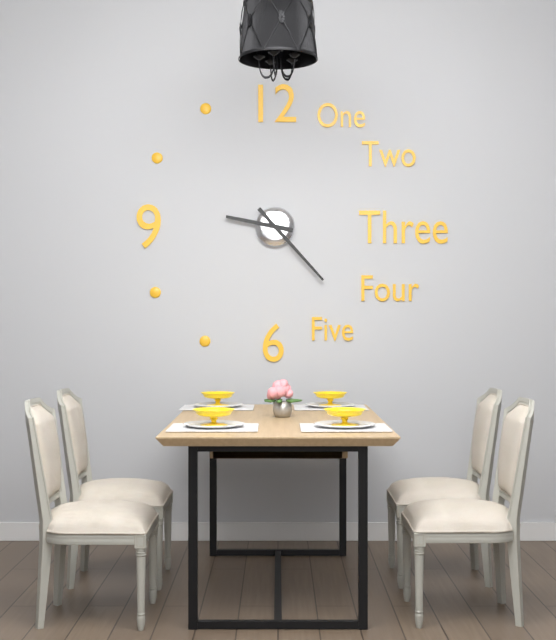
9:23
